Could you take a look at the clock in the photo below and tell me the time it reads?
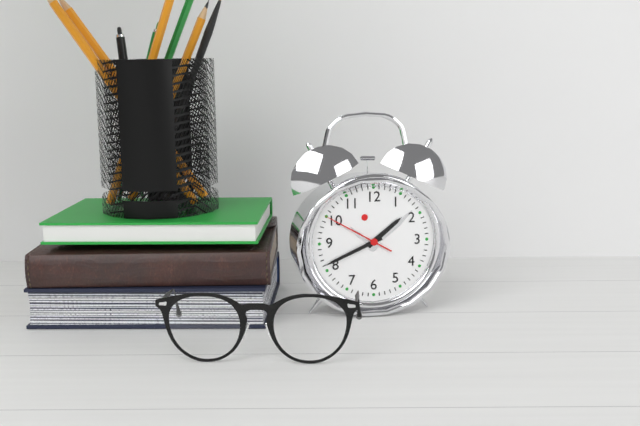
1:41:50
